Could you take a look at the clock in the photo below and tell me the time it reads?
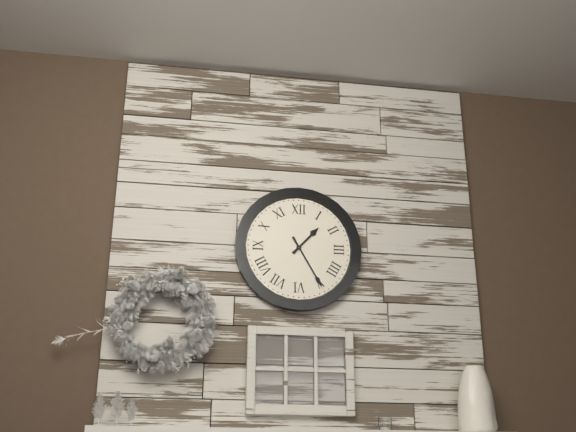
1:25
